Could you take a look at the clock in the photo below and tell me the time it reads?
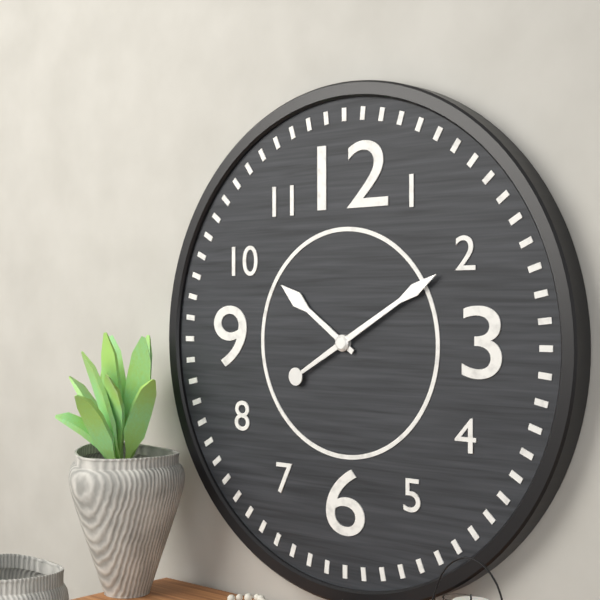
10:10
